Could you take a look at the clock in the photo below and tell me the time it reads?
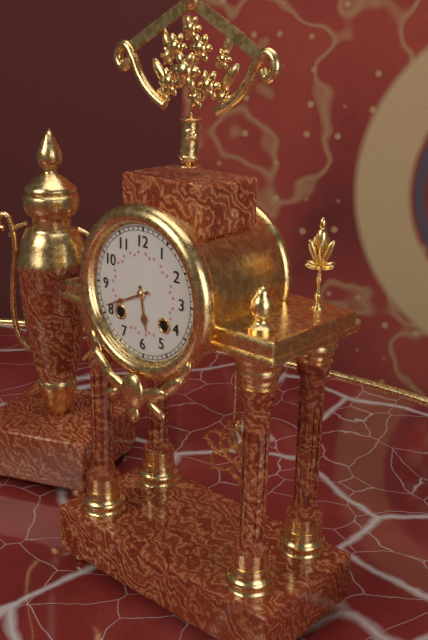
5:41
